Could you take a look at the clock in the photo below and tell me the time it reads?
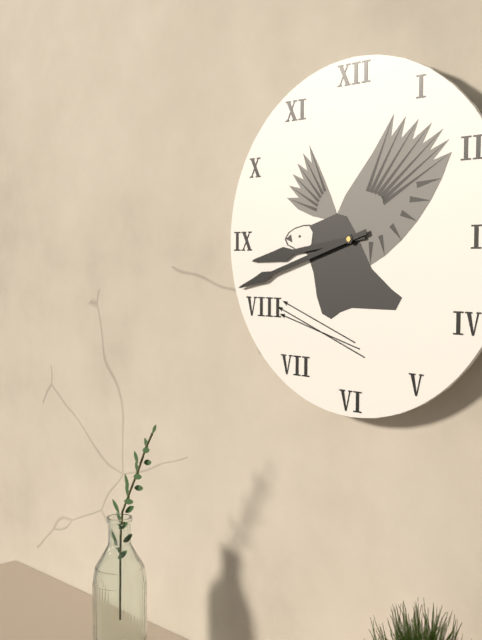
8:42
